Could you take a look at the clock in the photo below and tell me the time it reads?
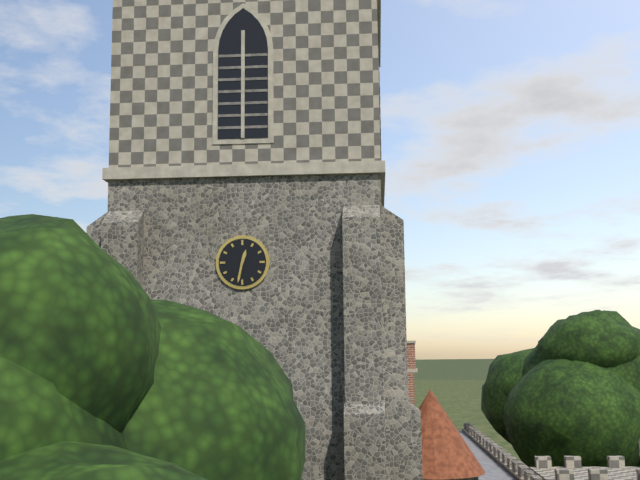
12:32
